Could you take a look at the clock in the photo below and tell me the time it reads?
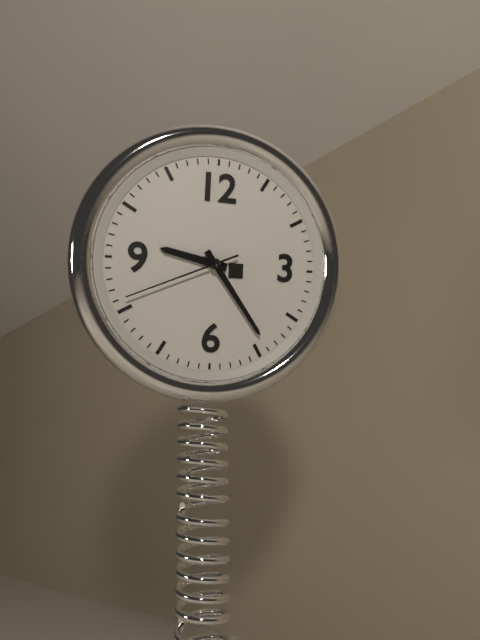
9:24:41
